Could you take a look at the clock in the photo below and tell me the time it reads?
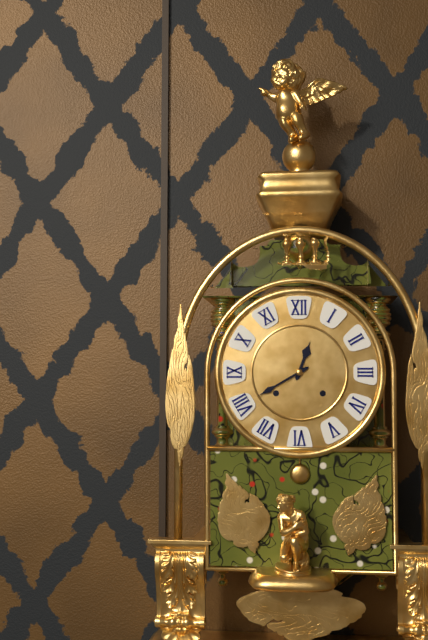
12:40
